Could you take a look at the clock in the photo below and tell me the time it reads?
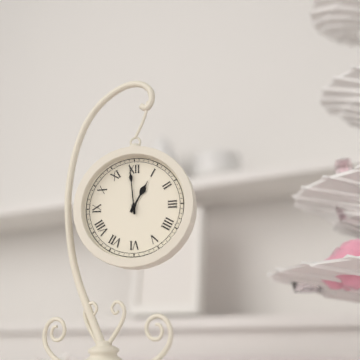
12:59
